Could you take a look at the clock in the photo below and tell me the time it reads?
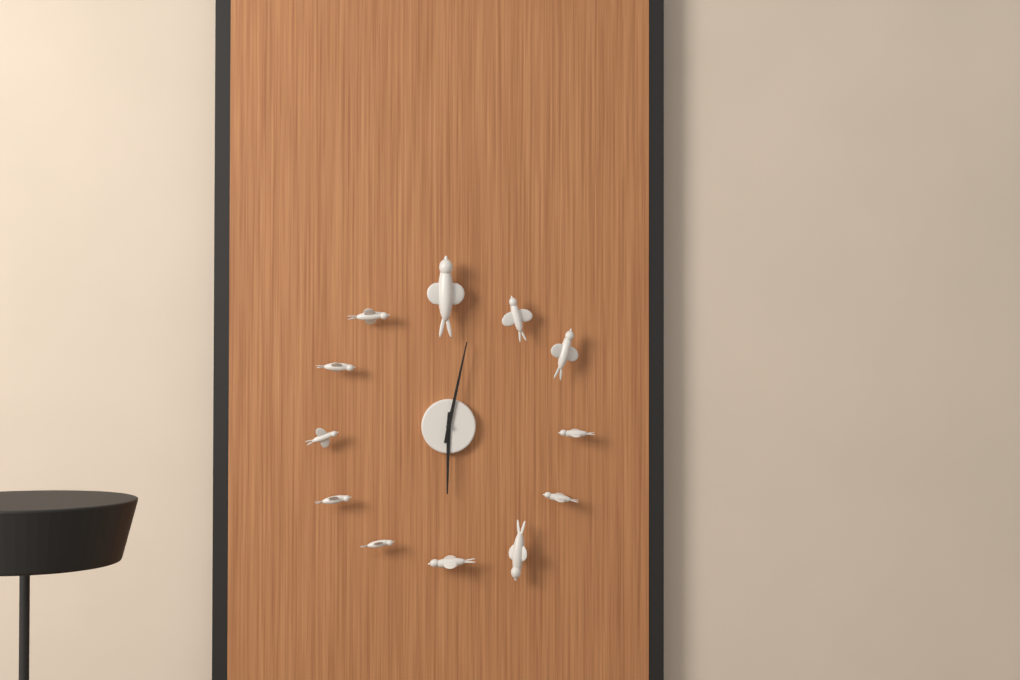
6:02
